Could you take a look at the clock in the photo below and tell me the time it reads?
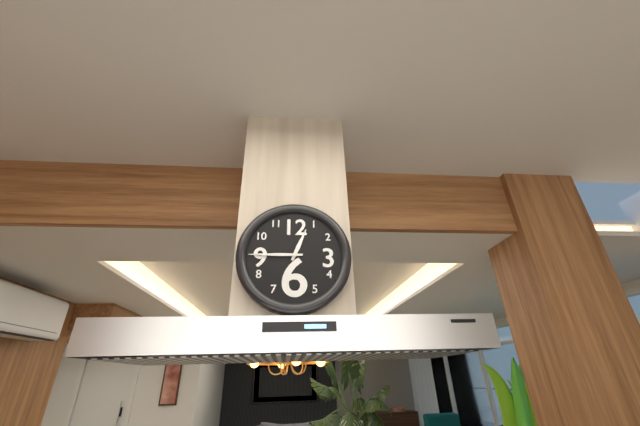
12:45
